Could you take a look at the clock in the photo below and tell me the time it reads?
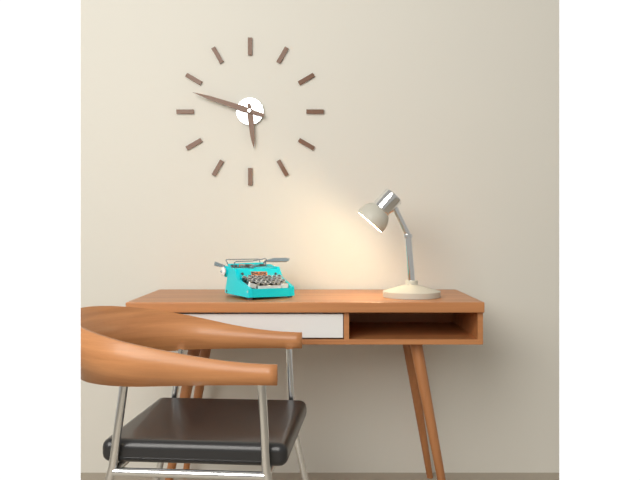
5:48
